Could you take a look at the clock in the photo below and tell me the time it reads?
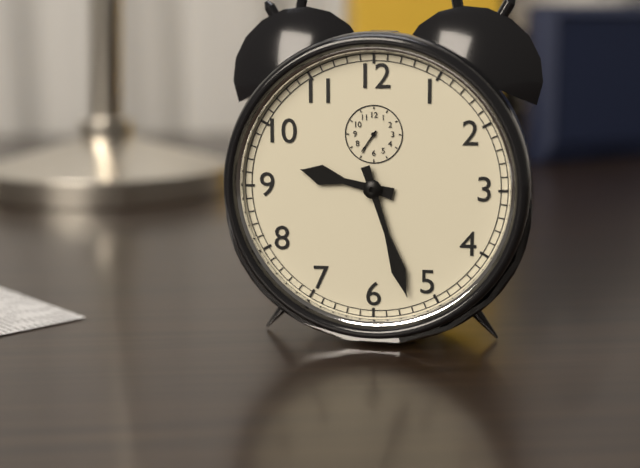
9:27
